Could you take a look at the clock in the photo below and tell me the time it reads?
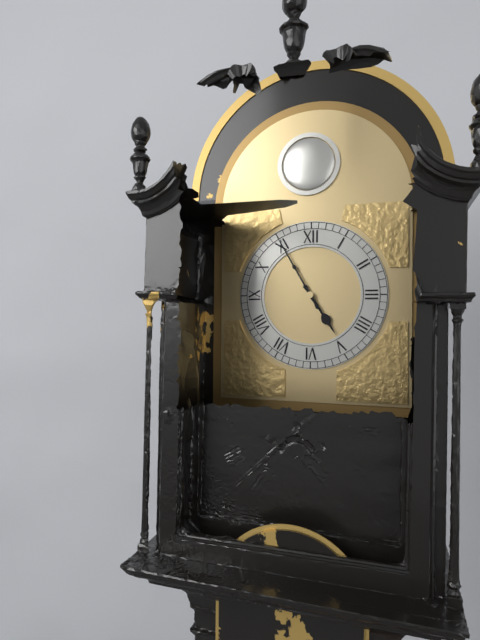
4:55
